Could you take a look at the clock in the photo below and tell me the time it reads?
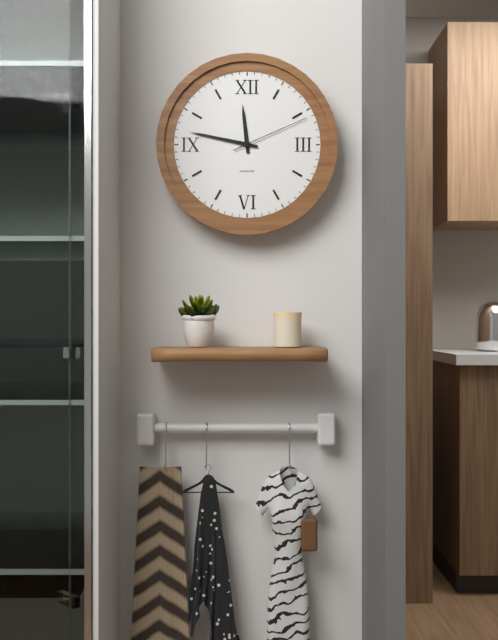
11:47:11
